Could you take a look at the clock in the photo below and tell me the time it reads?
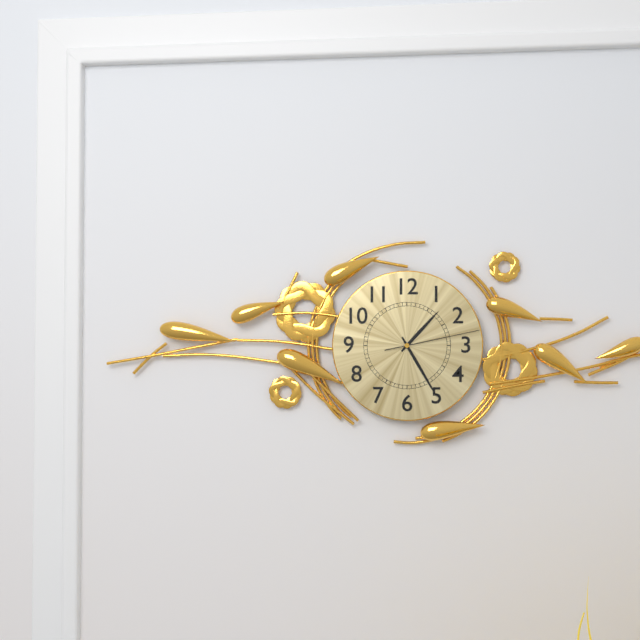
1:25:13
